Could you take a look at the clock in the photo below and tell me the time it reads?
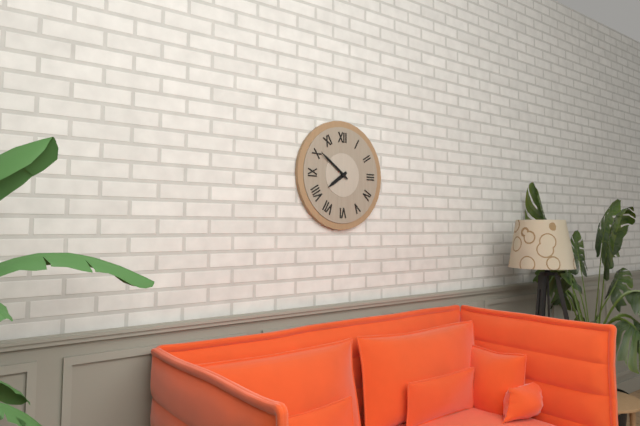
7:51
